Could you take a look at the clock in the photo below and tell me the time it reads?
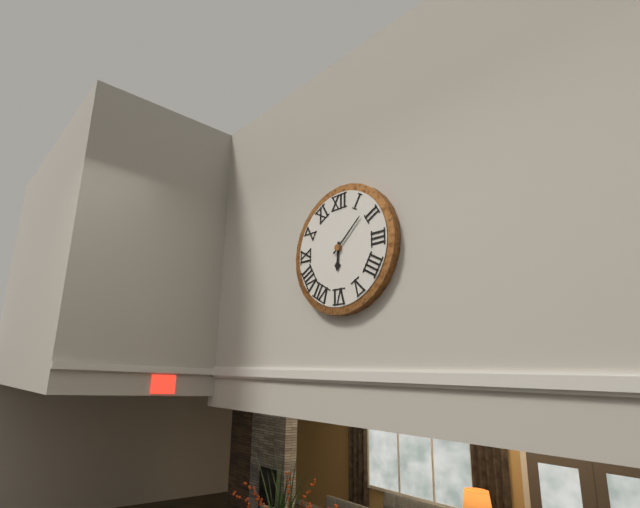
6:08
